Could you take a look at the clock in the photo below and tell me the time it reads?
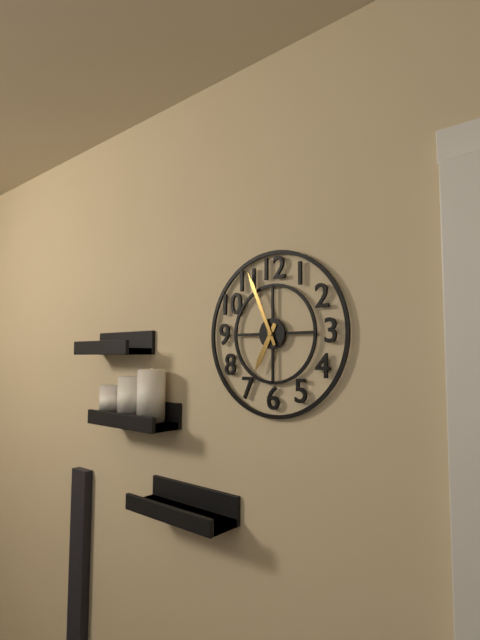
6:56
